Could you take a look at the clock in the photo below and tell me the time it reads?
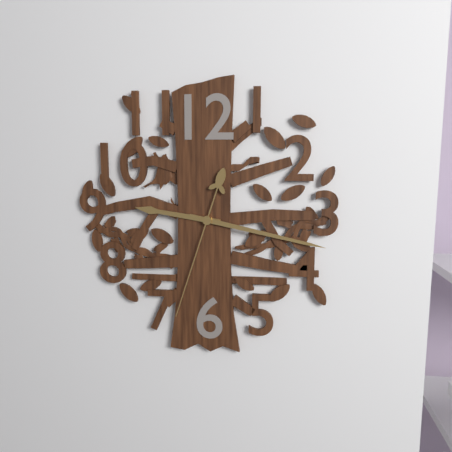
9:17:33
